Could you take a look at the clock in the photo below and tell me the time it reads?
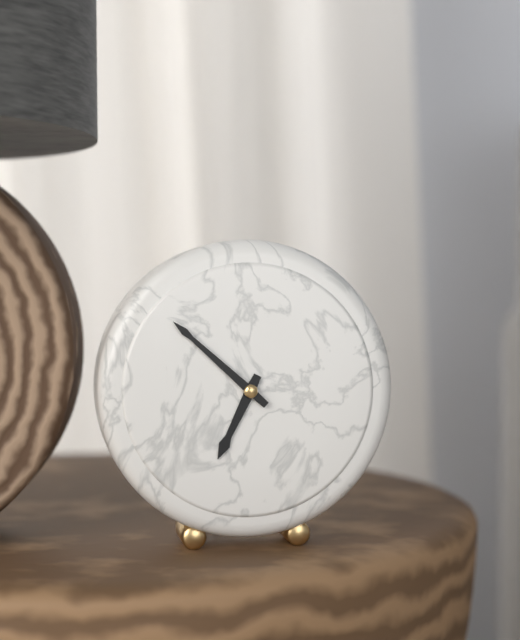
6:52
